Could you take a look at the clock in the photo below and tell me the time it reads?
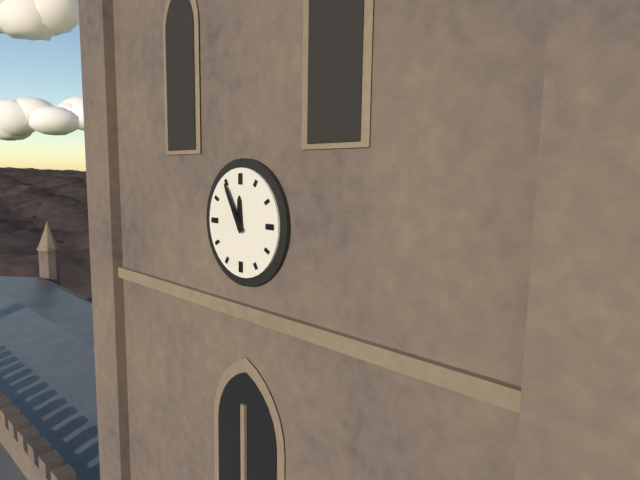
11:55
